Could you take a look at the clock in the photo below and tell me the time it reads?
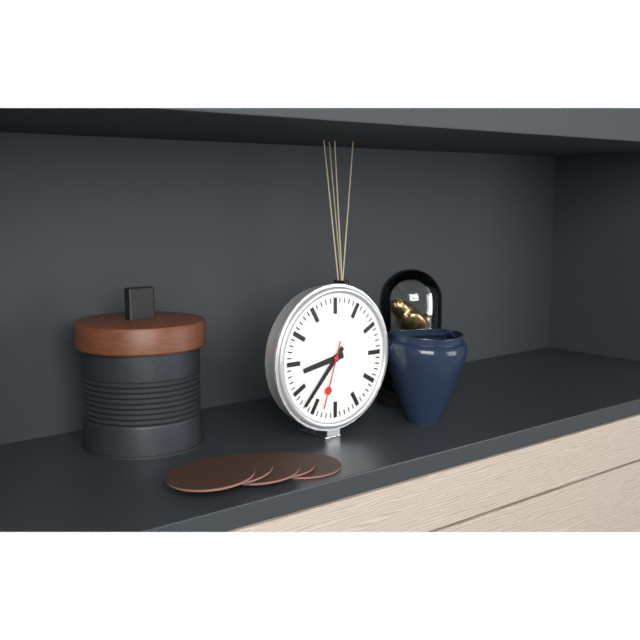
8:37:33
